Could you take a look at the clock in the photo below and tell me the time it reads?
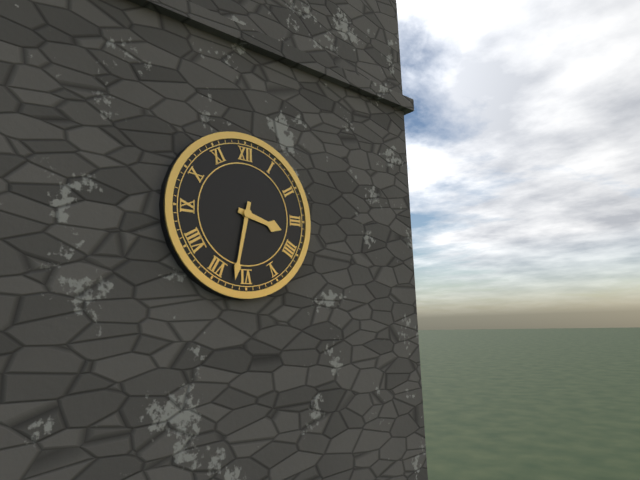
3:32
